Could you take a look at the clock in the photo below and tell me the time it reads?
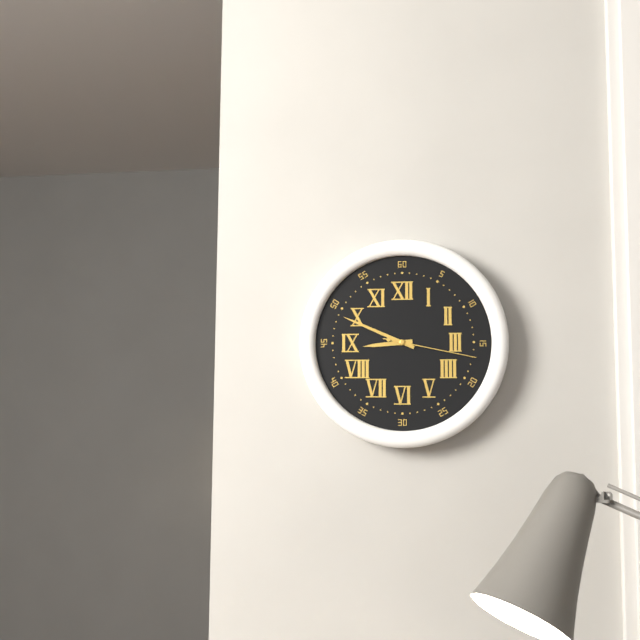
8:49:17
